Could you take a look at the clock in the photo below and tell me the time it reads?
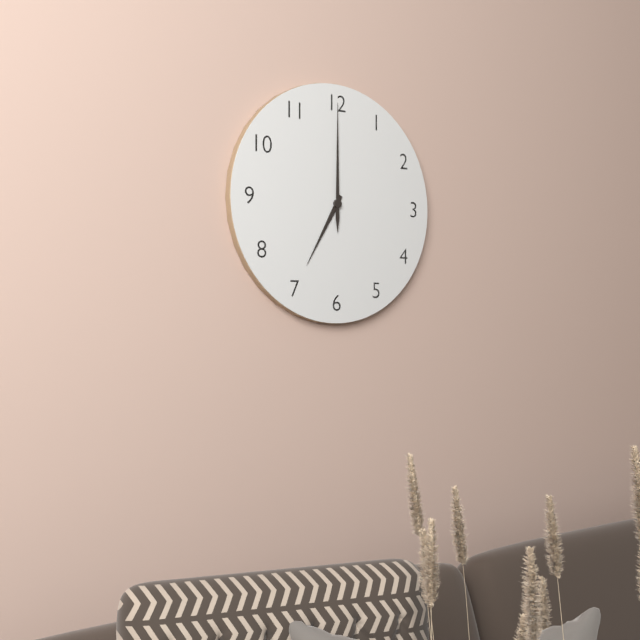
7:00
